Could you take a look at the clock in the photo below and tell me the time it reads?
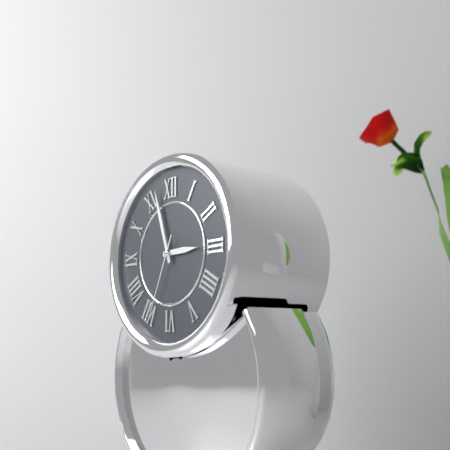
2:57:34
